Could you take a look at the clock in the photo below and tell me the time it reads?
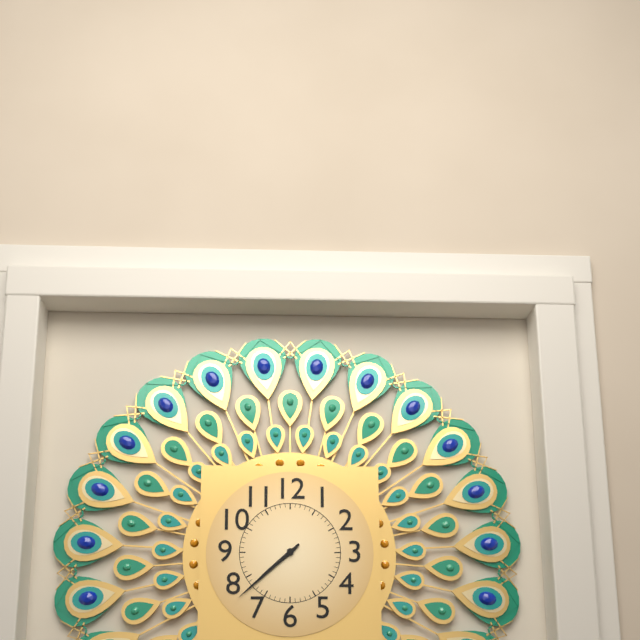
7:38
